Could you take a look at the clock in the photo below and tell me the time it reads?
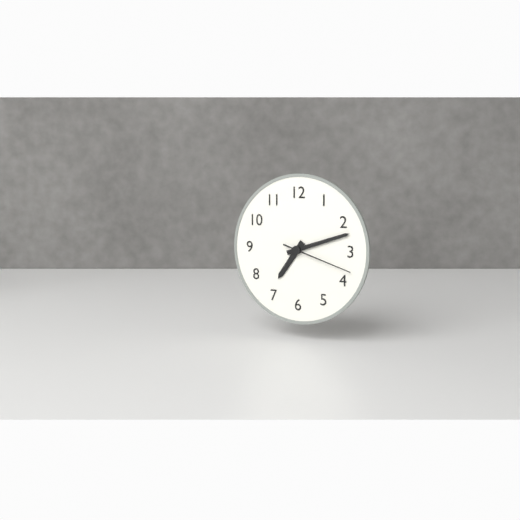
7:12:18
